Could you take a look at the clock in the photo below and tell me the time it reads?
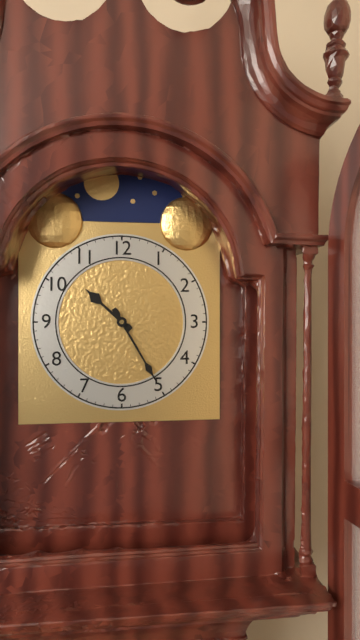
10:25
